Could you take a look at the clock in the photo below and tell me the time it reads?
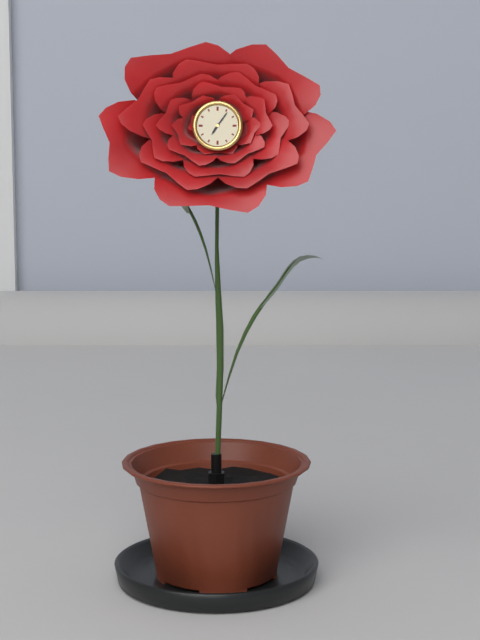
7:06
